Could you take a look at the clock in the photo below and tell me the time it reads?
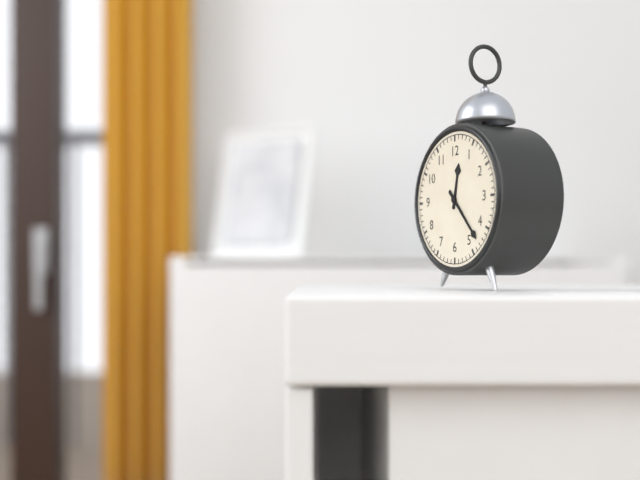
12:23
